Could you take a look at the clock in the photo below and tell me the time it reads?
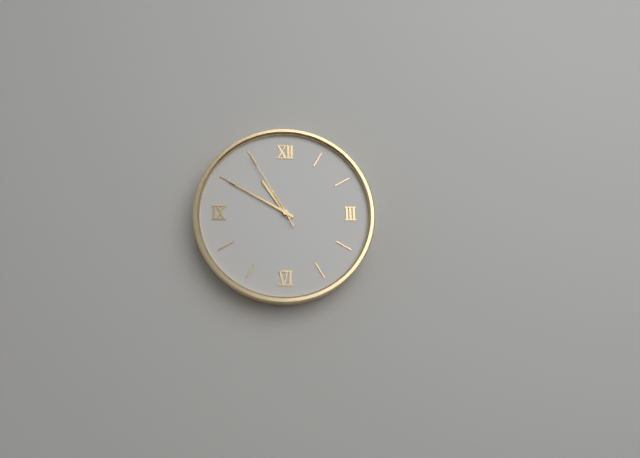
10:50:55
